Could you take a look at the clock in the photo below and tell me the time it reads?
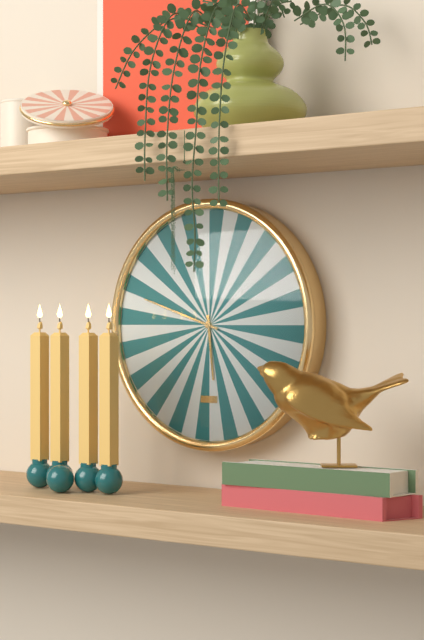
5:48
